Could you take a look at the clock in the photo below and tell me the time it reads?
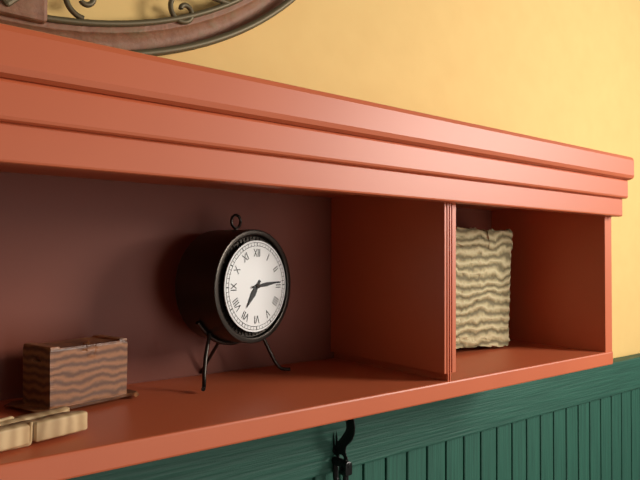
7:14
